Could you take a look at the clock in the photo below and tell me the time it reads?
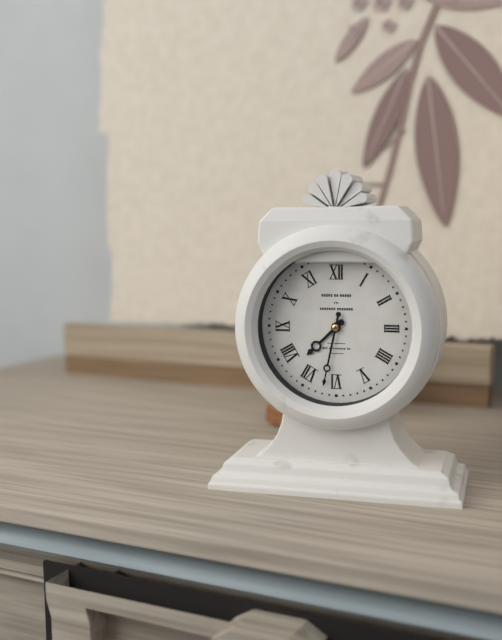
7:32
